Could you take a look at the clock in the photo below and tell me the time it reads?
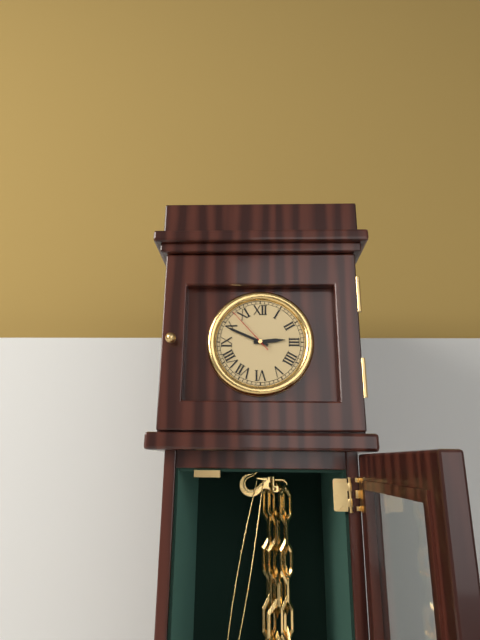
2:49:53
